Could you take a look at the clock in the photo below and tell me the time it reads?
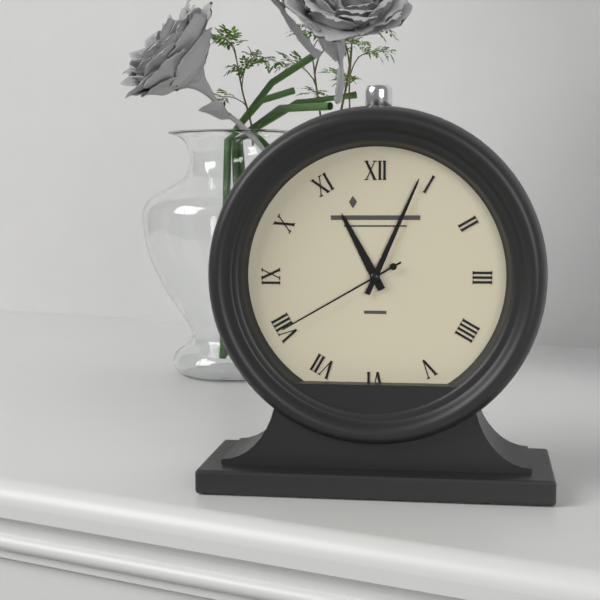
11:04:40
